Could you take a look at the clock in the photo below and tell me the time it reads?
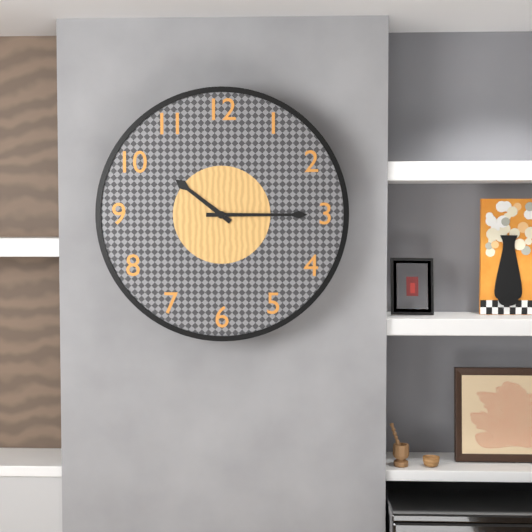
10:15
